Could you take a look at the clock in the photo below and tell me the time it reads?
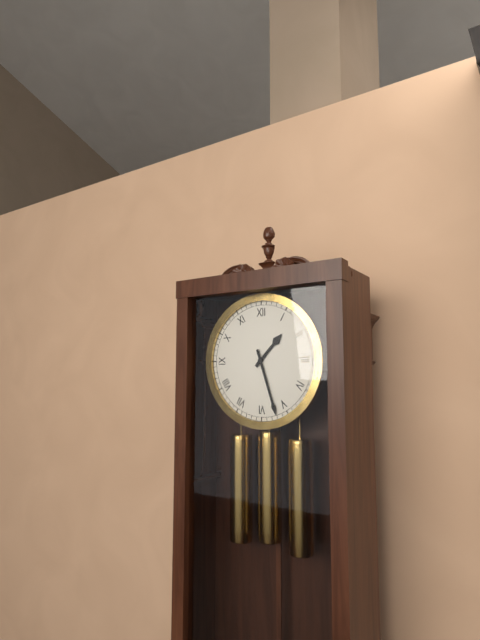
1:27
